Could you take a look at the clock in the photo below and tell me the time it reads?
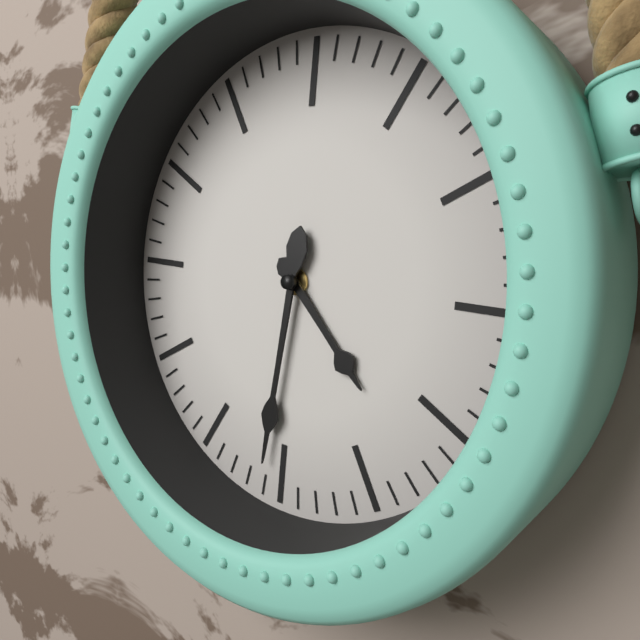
4:31
